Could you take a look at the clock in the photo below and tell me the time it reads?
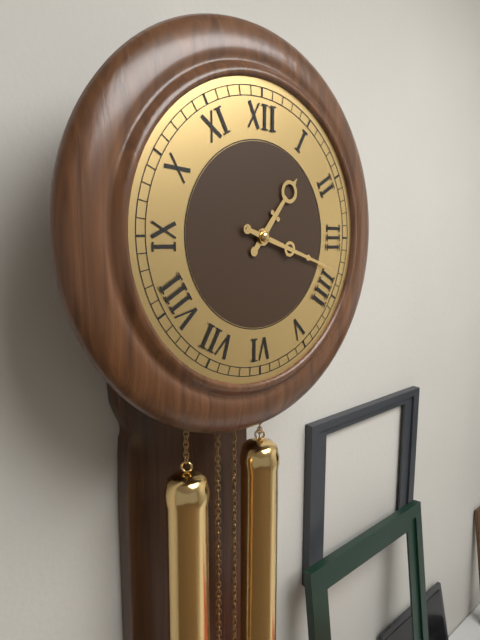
1:18
